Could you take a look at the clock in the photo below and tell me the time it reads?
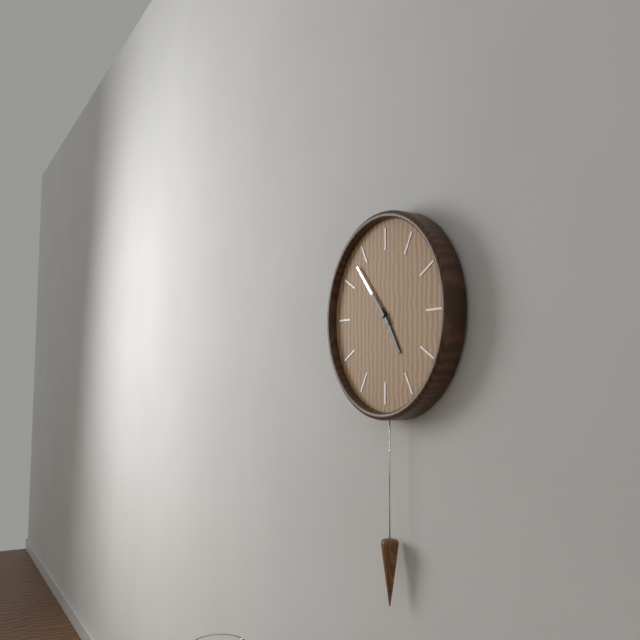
4:53
